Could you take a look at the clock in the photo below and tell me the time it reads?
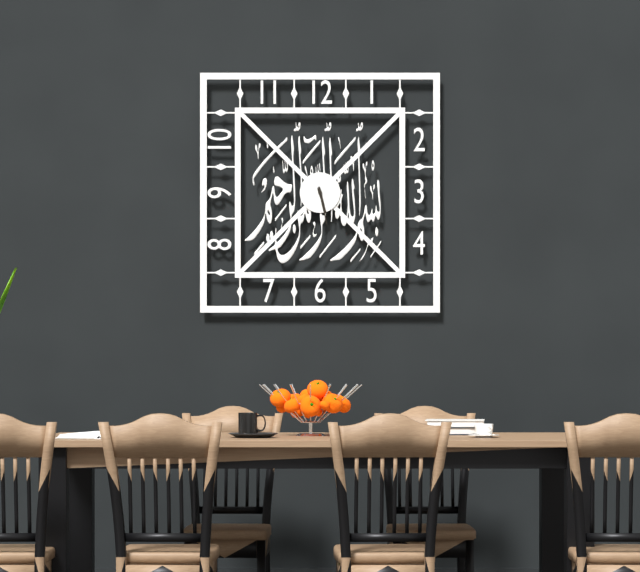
5:28
